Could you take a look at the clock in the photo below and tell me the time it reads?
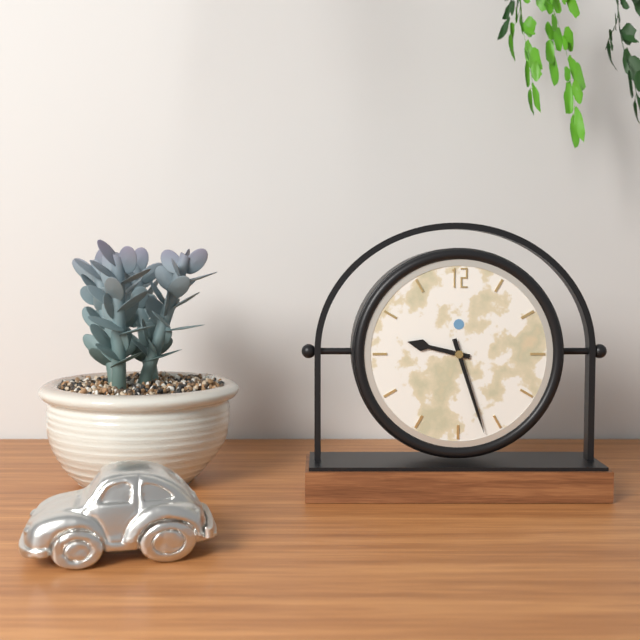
9:27
